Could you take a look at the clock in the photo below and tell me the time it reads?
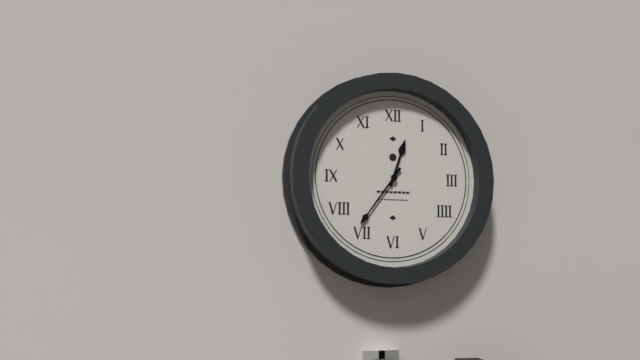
12:36
